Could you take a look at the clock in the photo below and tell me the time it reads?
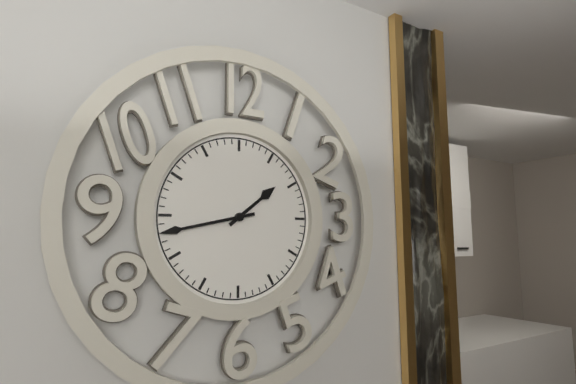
1:43
